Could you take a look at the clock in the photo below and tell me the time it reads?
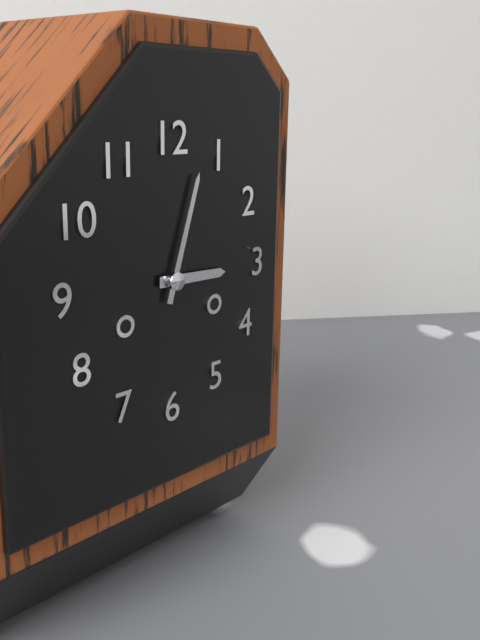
3:03
